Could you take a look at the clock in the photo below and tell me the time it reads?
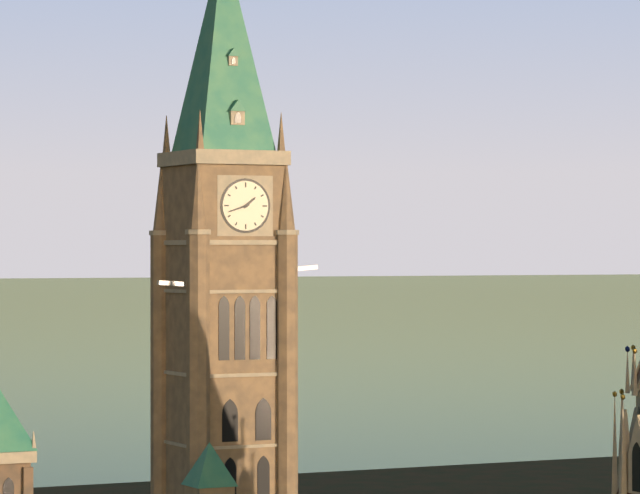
1:42
